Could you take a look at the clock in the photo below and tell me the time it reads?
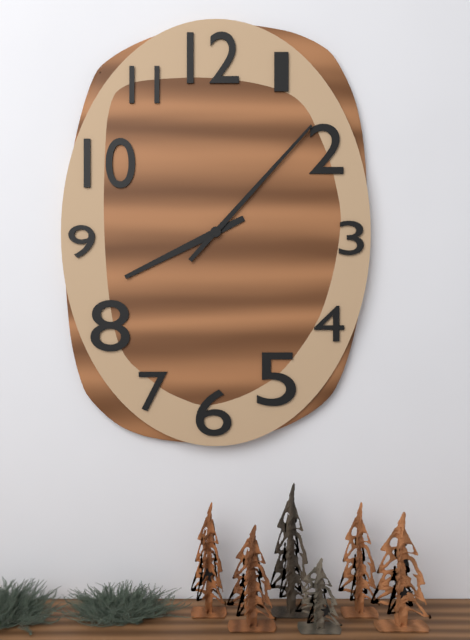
8:07
